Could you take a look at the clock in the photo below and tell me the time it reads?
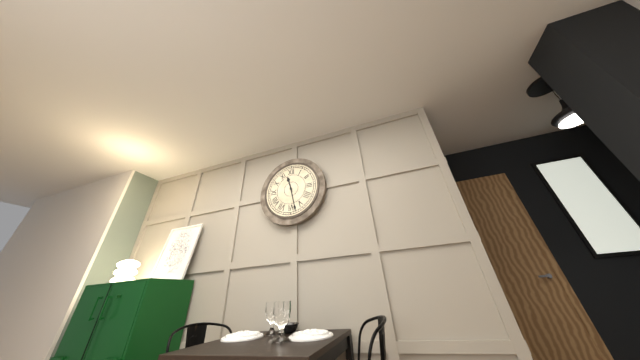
11:28
